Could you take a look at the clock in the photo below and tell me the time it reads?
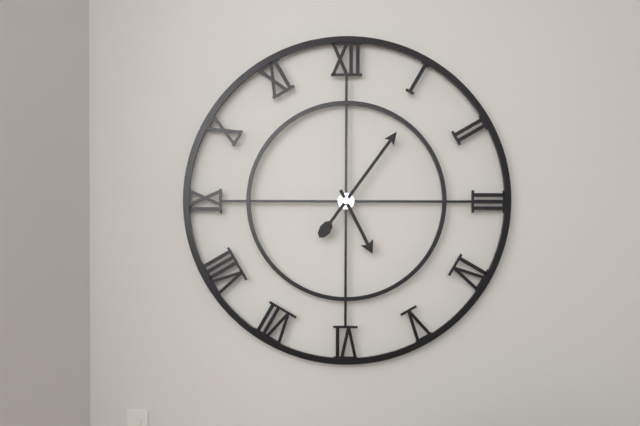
5:06
